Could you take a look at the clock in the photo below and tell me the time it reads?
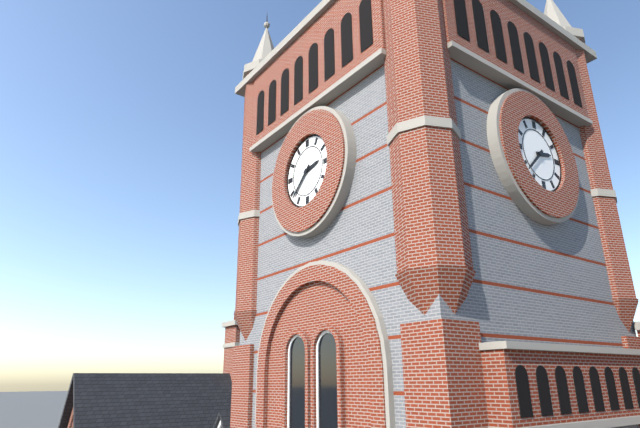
2:38
